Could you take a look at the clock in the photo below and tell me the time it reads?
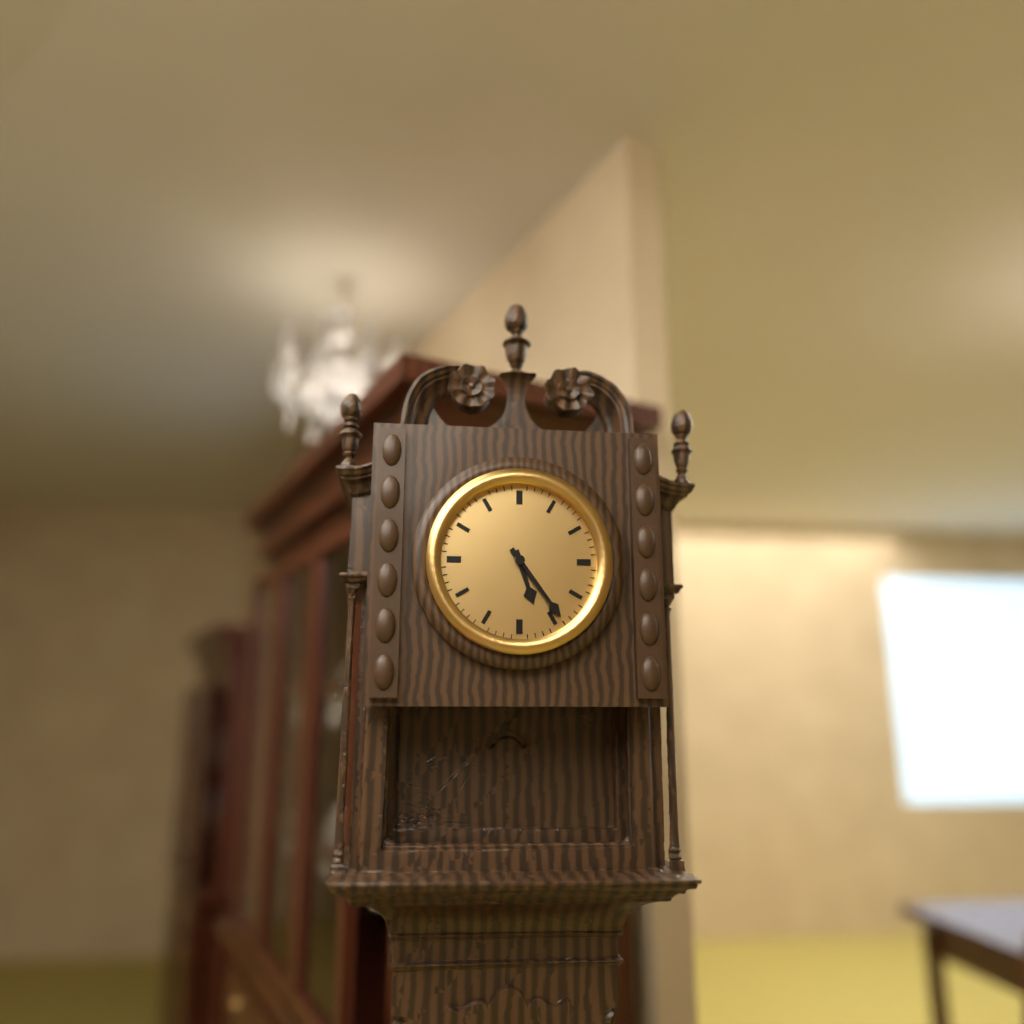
5:24
